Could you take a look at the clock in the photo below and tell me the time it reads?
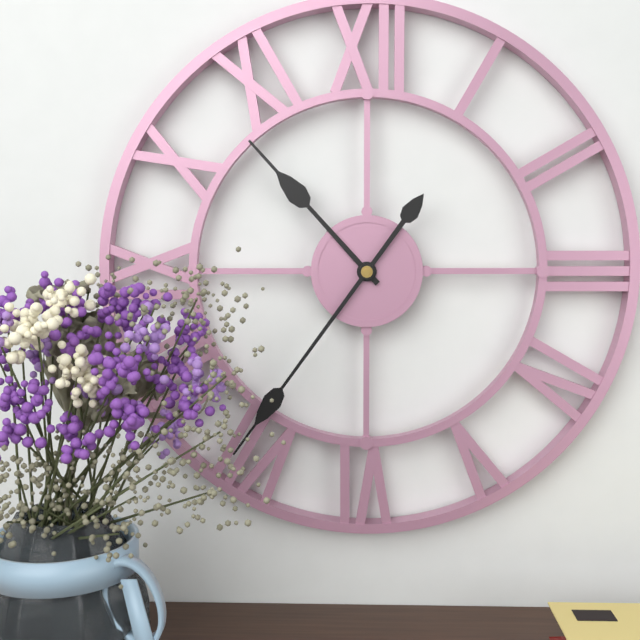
10:36
